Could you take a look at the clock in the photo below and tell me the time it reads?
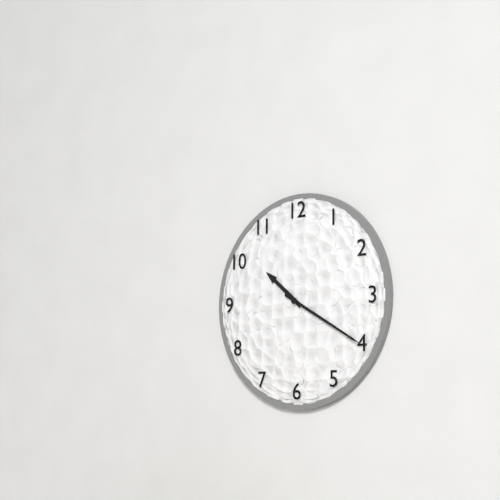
10:20
